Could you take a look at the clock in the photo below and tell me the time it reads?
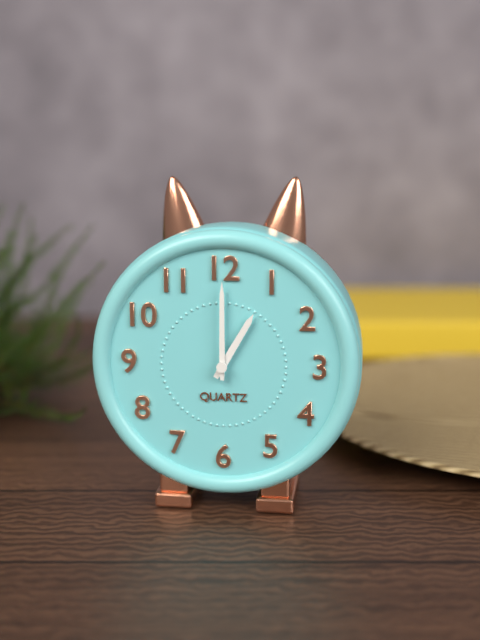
1:00
